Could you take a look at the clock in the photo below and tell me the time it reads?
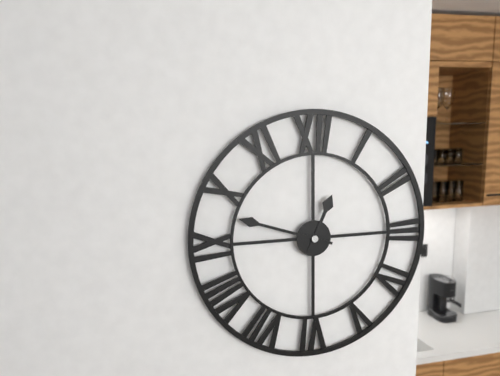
12:48
